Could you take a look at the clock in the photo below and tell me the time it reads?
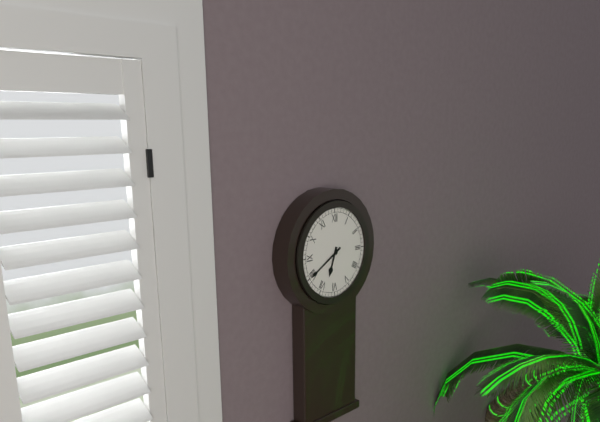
6:40
